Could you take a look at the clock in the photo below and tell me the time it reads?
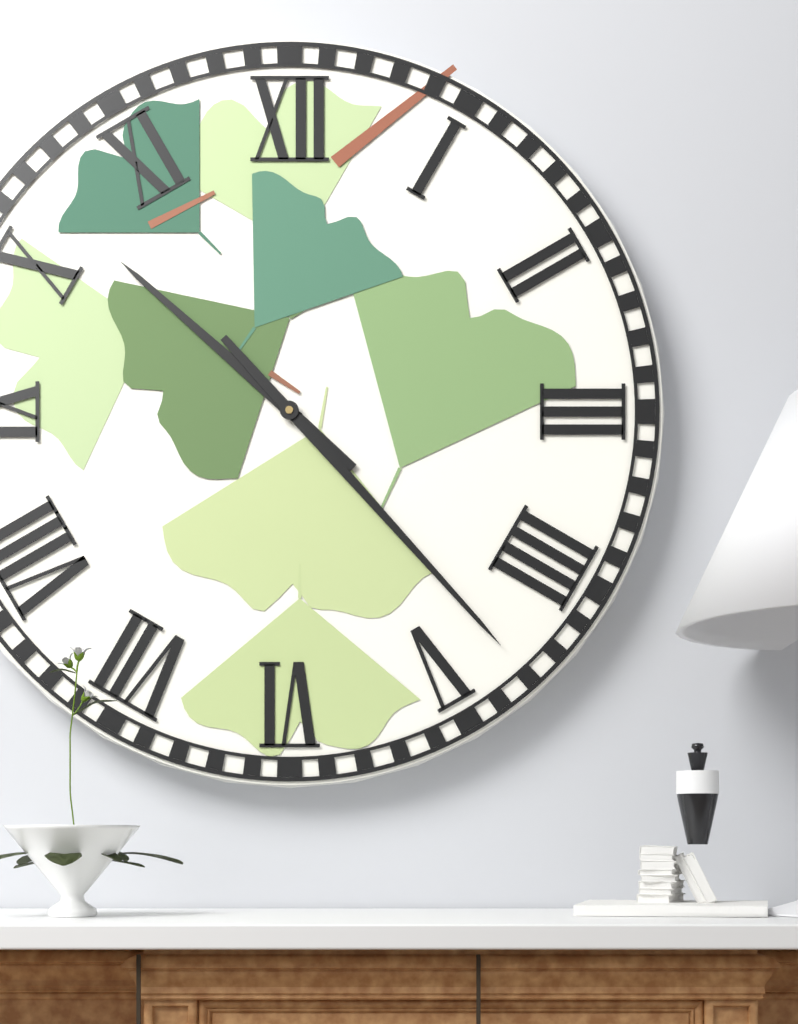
10:23
